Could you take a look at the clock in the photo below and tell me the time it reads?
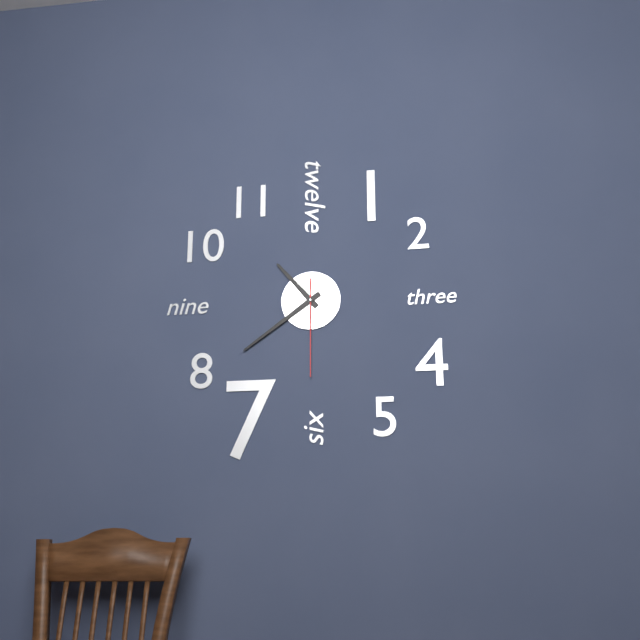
10:39:30
